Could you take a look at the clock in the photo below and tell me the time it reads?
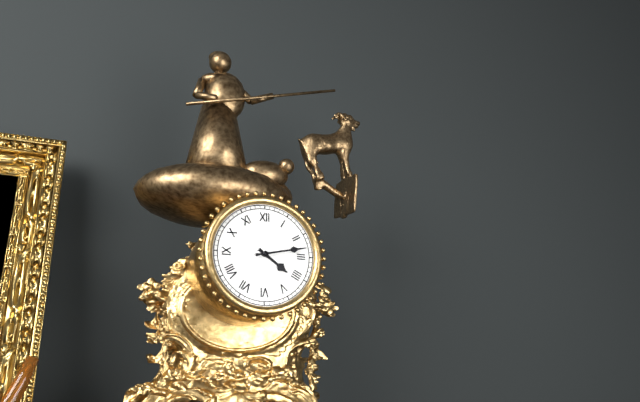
4:13
